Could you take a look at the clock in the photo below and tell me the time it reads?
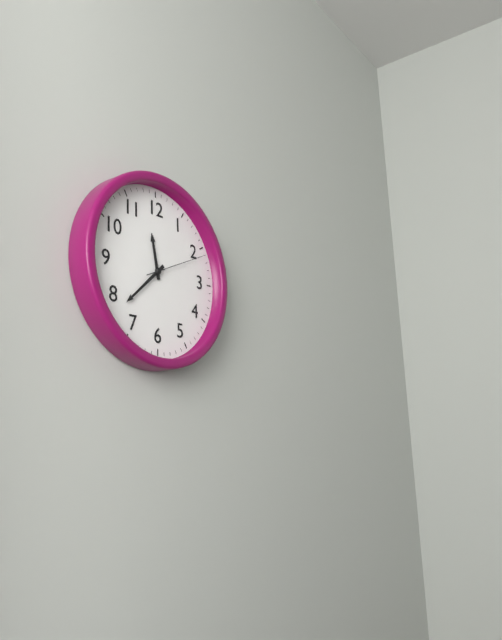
11:38:11
